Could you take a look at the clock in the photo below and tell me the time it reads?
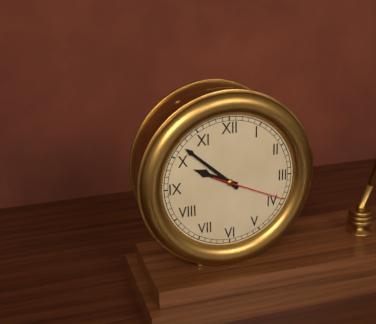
9:52:19
